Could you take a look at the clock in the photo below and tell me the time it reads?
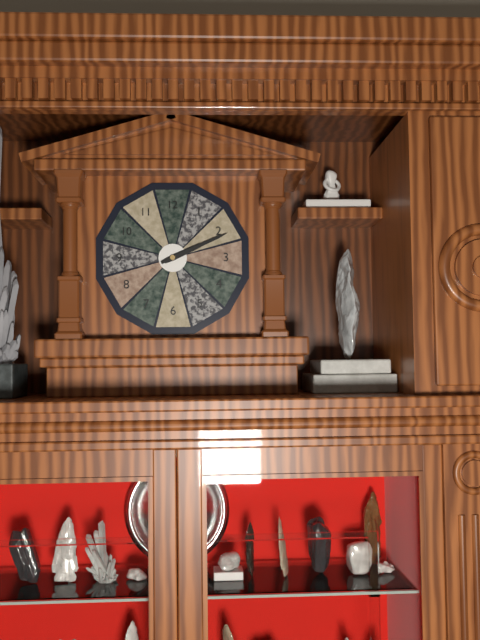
2:11
